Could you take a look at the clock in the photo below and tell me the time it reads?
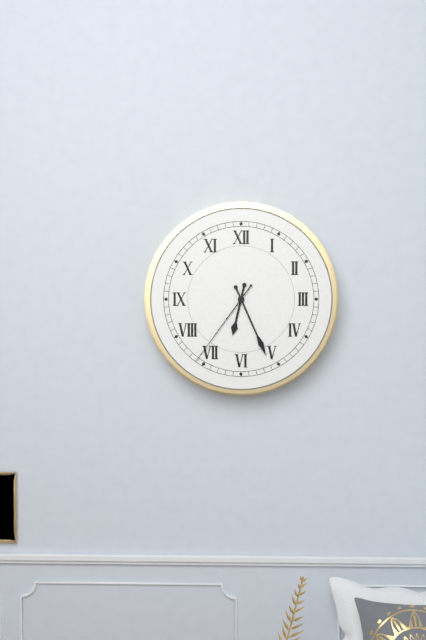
6:26:36
